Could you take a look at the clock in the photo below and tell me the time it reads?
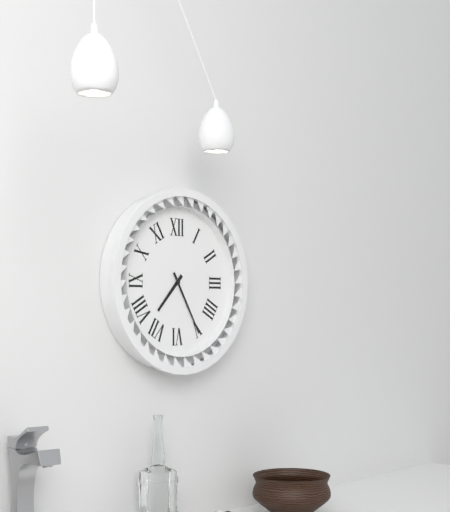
7:25
